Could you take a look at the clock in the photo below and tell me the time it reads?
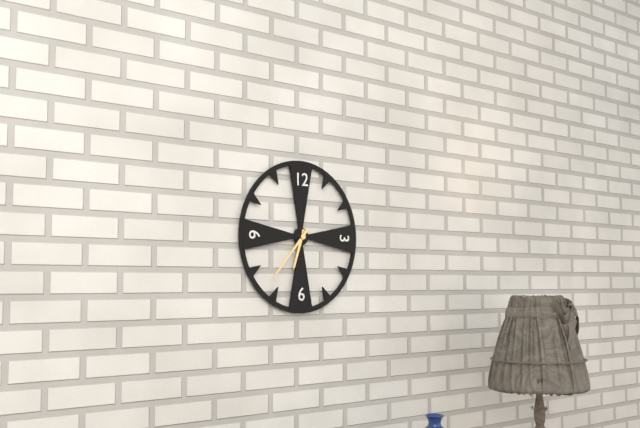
6:37
